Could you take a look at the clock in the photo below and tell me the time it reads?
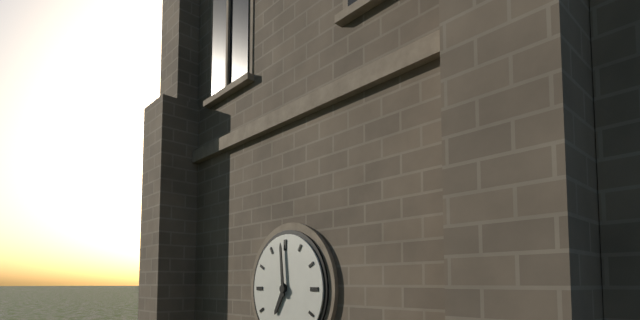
6:59
